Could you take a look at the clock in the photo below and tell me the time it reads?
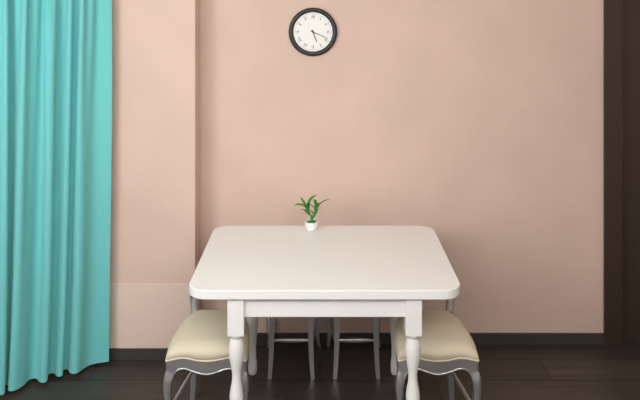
5:19
